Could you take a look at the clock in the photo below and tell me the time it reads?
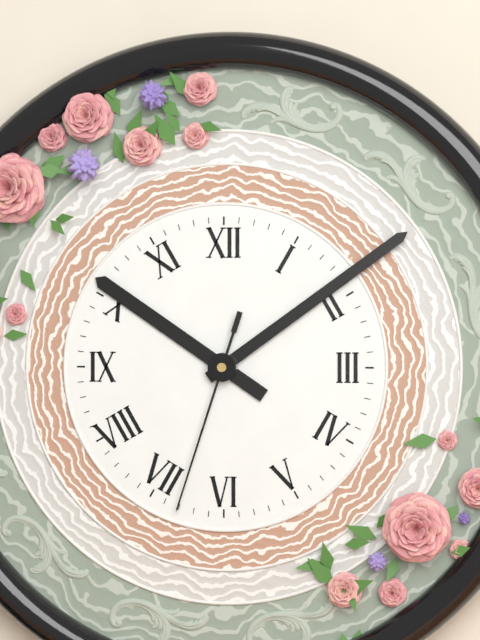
10:09:33
